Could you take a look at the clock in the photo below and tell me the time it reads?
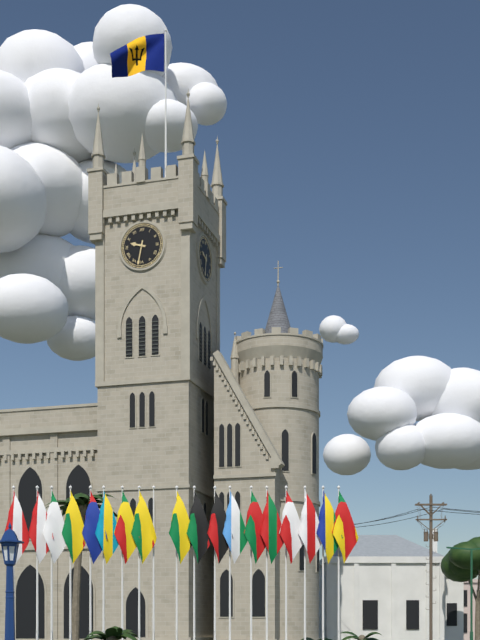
9:32
